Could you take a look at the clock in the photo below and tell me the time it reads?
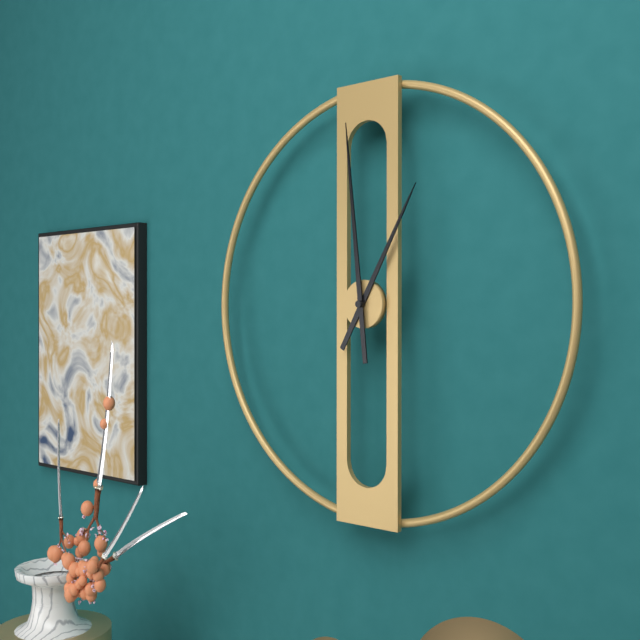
12:59
